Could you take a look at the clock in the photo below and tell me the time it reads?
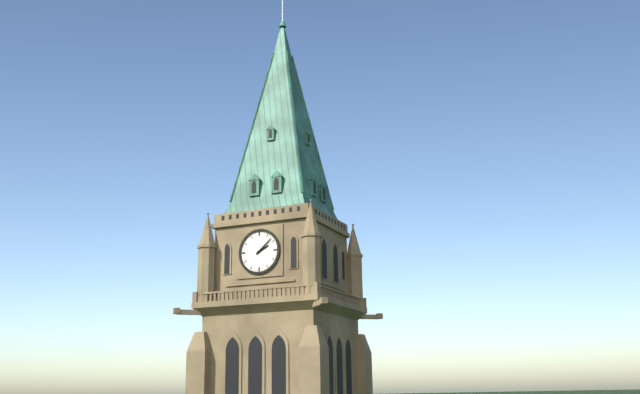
2:08
